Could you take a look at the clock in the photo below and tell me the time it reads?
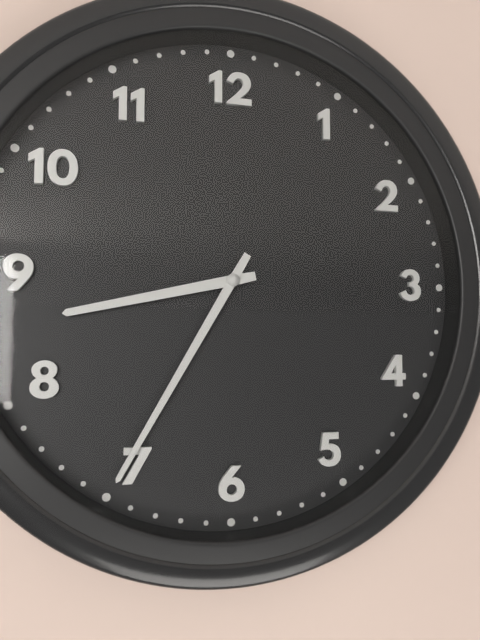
8:35
